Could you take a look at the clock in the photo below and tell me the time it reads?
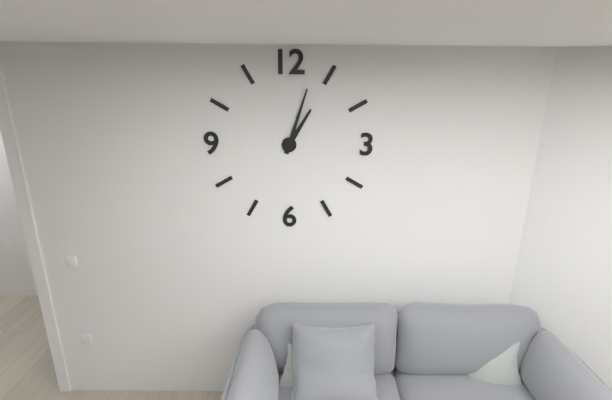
1:03
